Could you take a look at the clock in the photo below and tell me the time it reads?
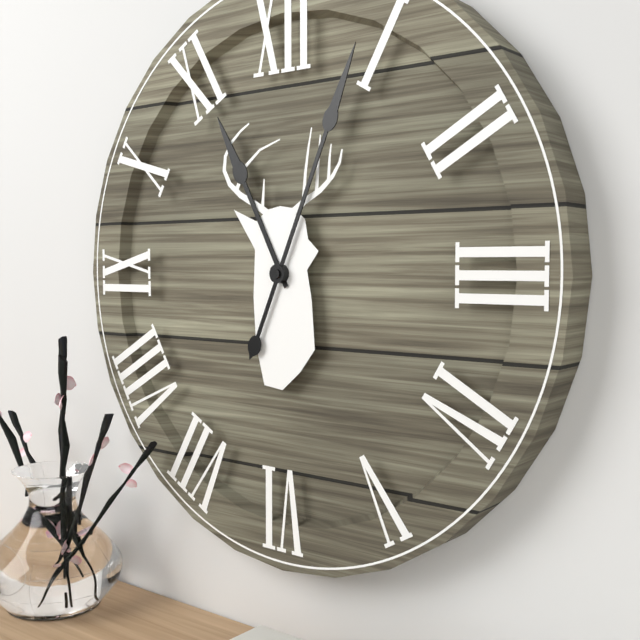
11:04
